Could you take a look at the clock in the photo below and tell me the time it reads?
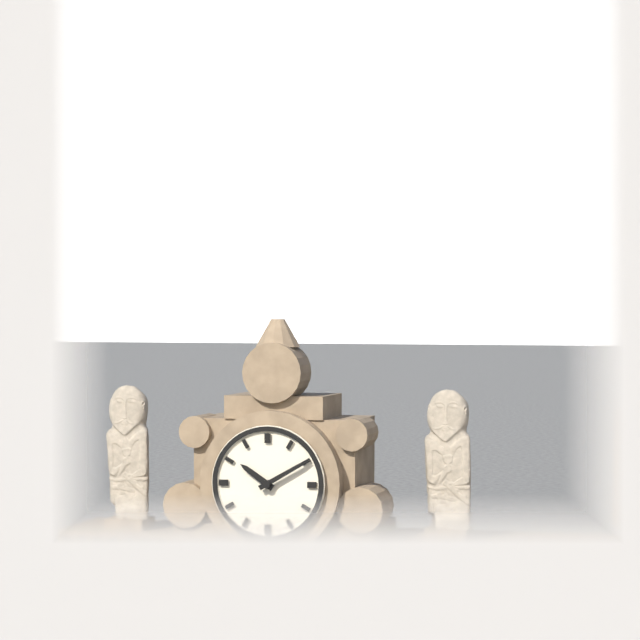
10:10
